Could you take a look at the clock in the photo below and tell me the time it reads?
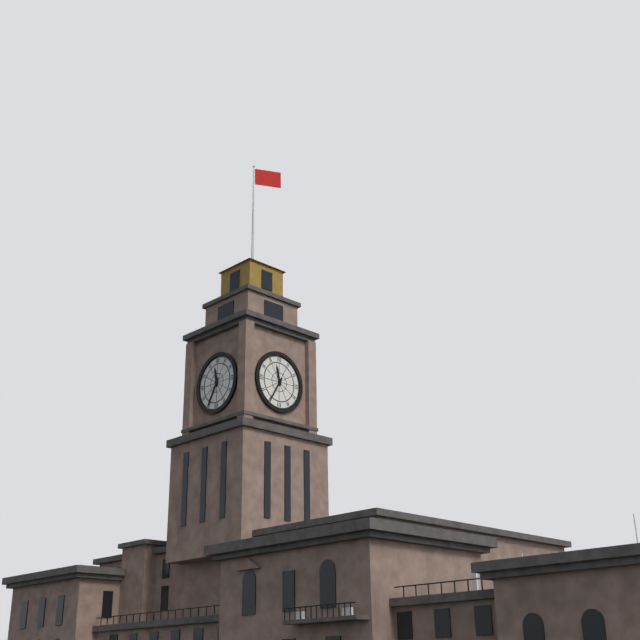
11:35
